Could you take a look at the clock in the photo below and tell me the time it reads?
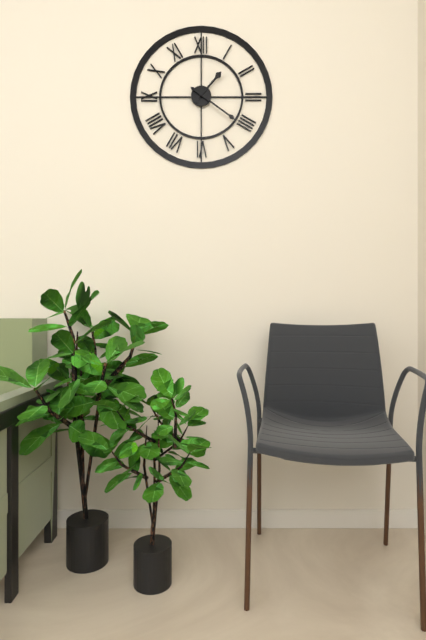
1:21
